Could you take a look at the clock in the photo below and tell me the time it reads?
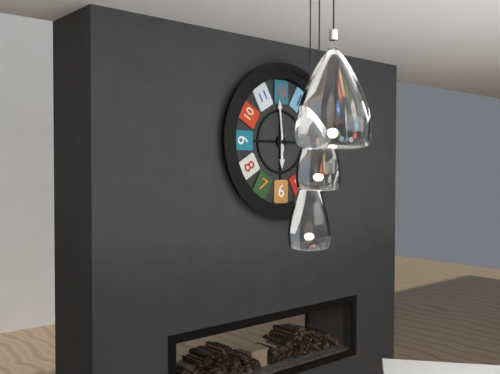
5:59
